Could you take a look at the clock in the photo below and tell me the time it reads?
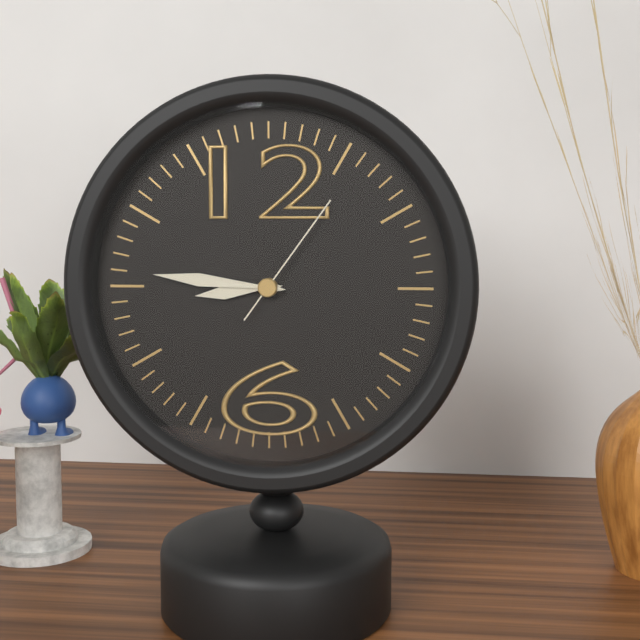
8:46:06
